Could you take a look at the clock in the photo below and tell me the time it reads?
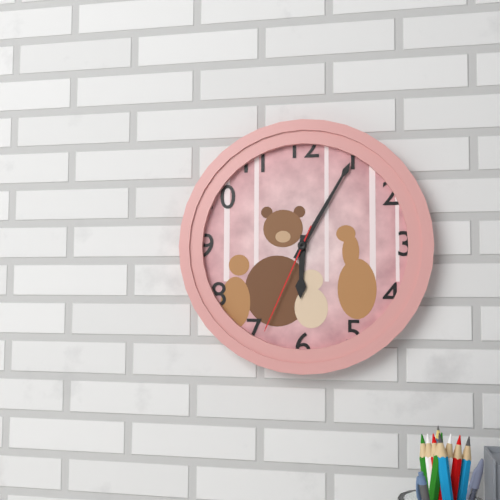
6:05:34
